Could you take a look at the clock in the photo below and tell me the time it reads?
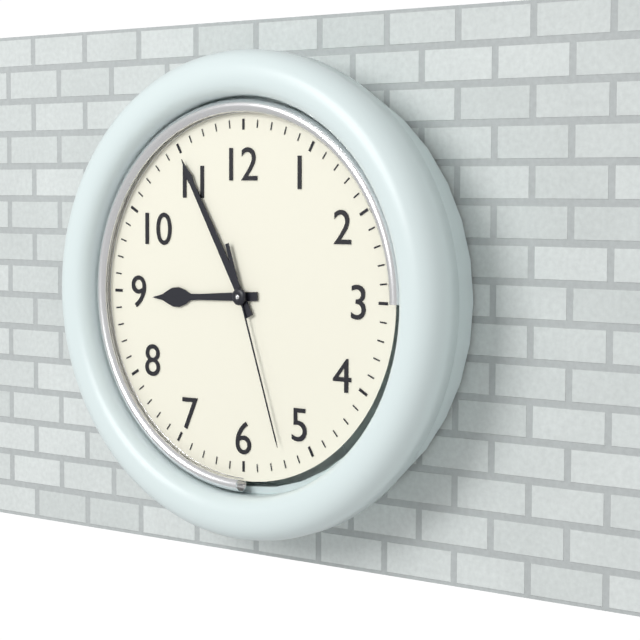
8:55:27
